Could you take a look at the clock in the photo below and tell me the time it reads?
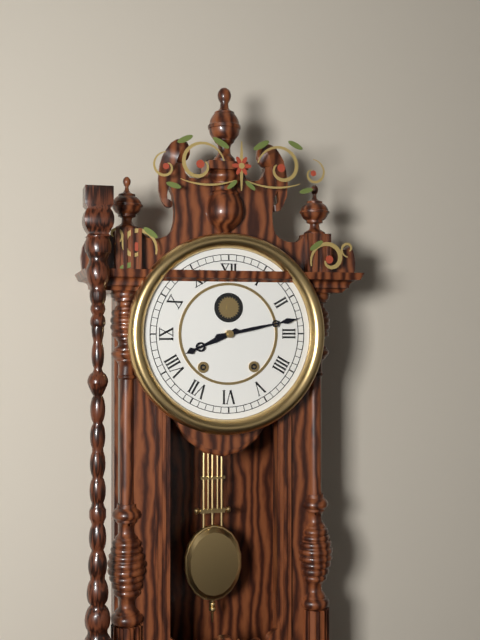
8:13
